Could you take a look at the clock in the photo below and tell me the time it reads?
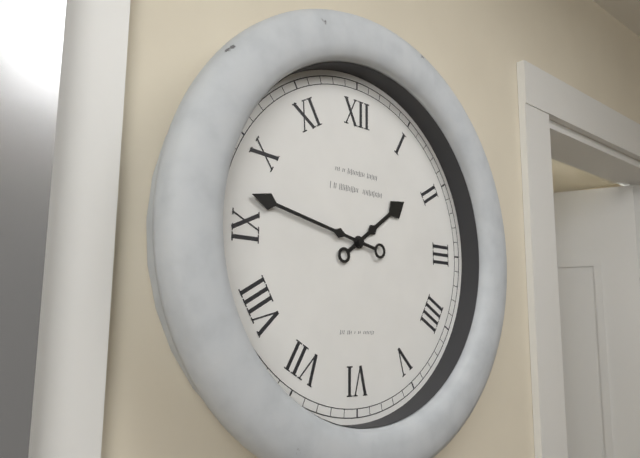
1:47
